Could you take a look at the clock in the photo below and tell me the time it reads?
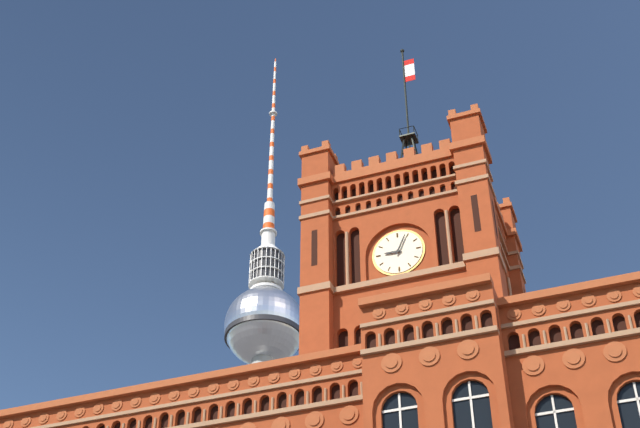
9:04
